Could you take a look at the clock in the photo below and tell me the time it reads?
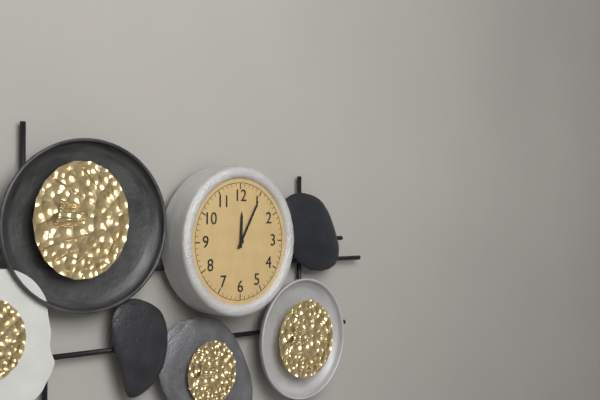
12:05
